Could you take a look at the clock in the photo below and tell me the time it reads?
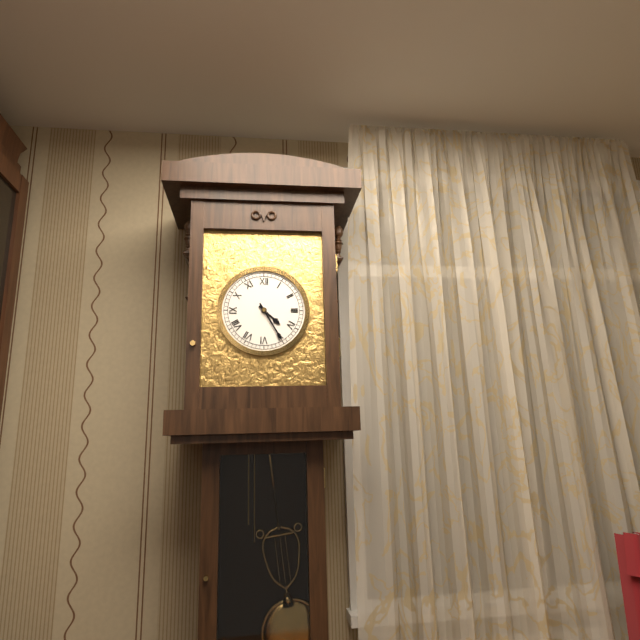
4:25
